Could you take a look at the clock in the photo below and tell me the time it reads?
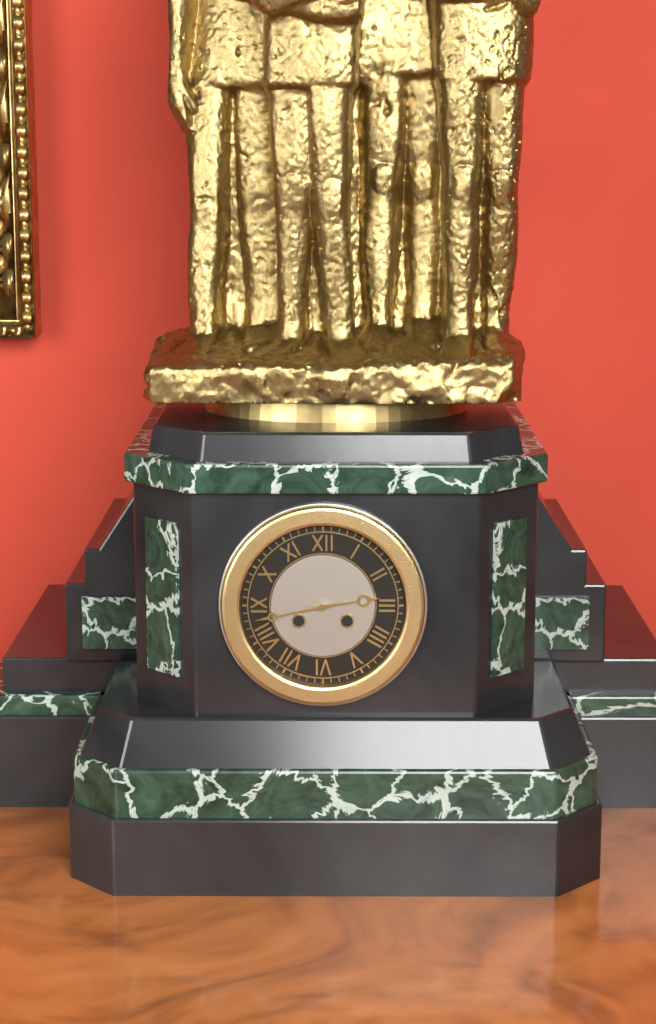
2:43
